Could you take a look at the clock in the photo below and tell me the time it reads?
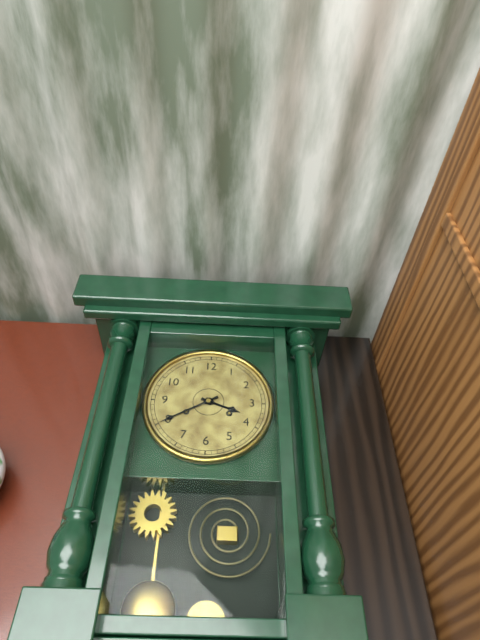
3:40
